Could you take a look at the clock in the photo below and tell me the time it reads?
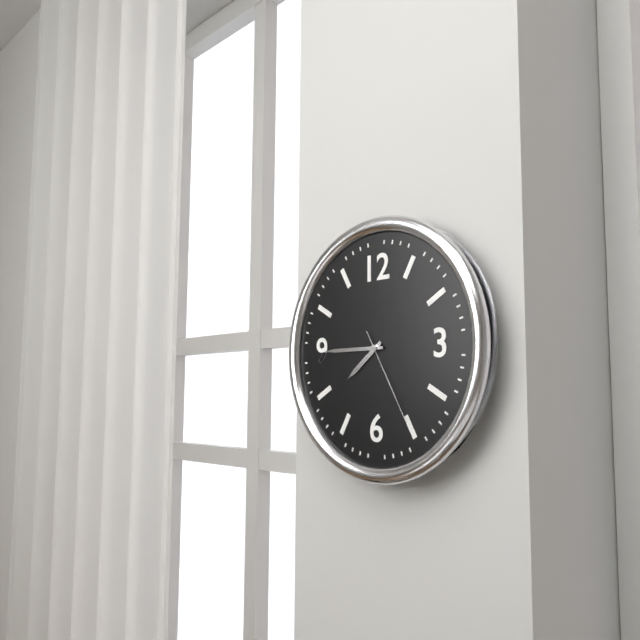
7:45:25
